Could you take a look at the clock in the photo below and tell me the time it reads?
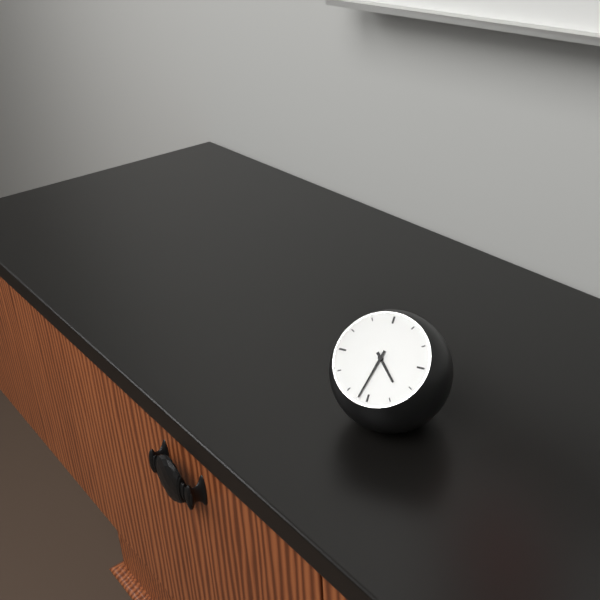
4:32
